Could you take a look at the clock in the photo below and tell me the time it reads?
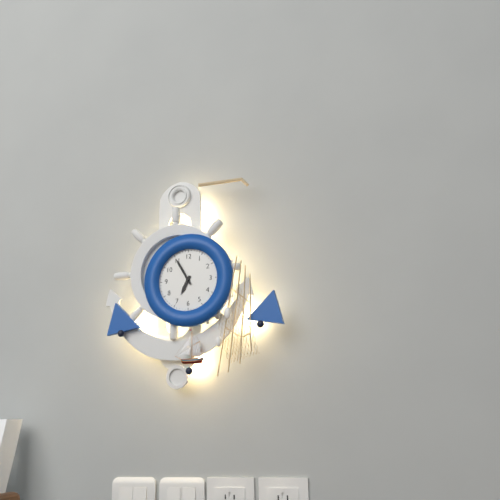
6:55
